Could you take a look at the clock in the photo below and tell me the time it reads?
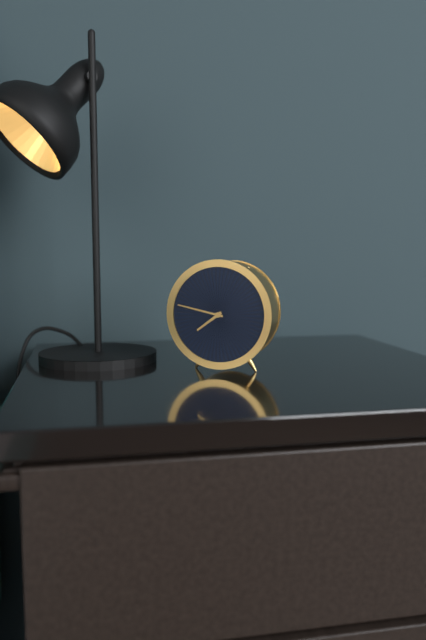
7:47
